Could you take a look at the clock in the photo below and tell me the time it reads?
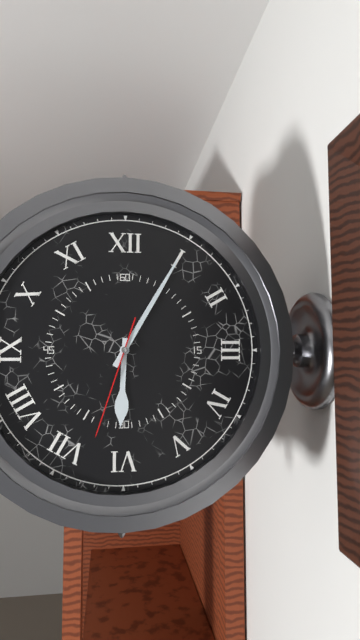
6:05:33
